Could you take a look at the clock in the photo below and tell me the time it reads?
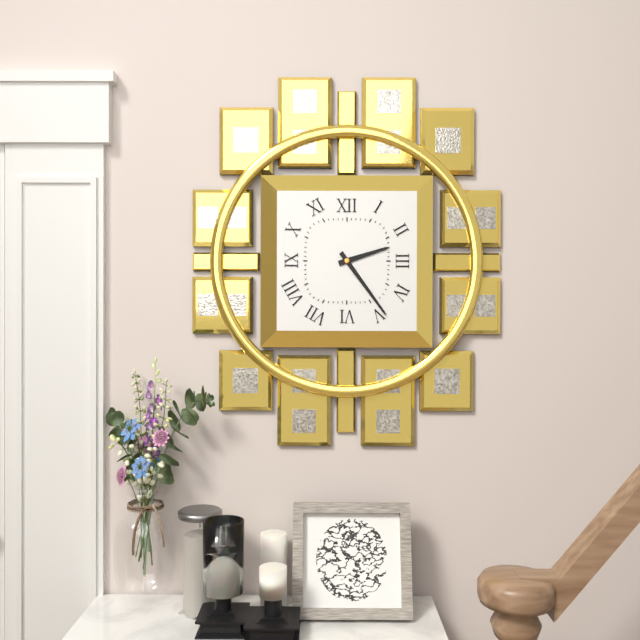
2:24
